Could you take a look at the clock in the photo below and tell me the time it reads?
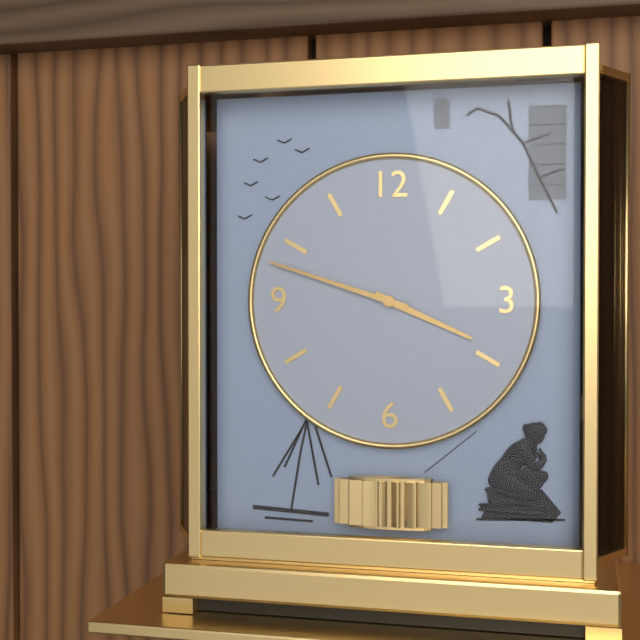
3:48
